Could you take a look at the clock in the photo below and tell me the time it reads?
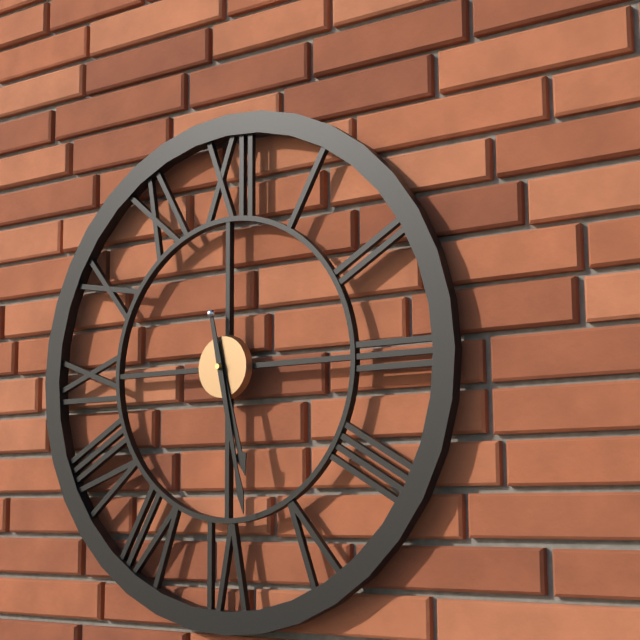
5:28
